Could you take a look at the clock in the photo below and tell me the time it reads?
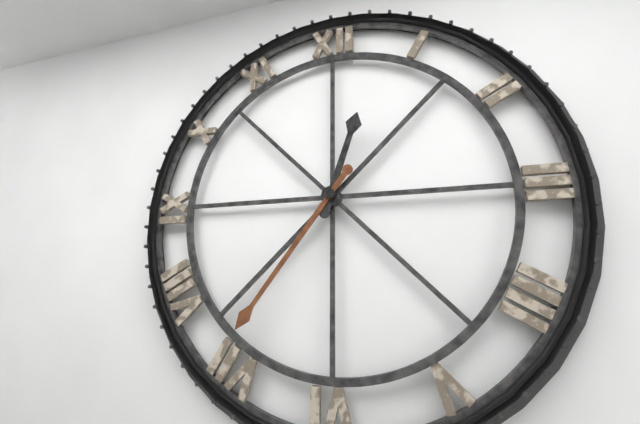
12:36
